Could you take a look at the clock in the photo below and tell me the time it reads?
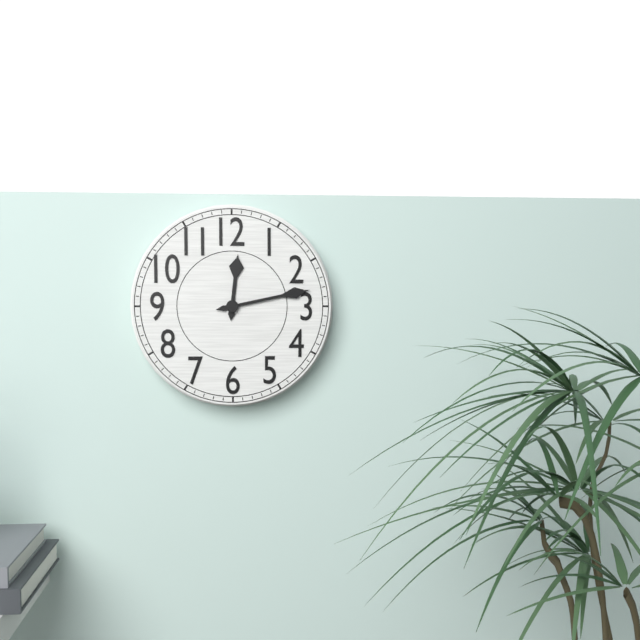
12:13
